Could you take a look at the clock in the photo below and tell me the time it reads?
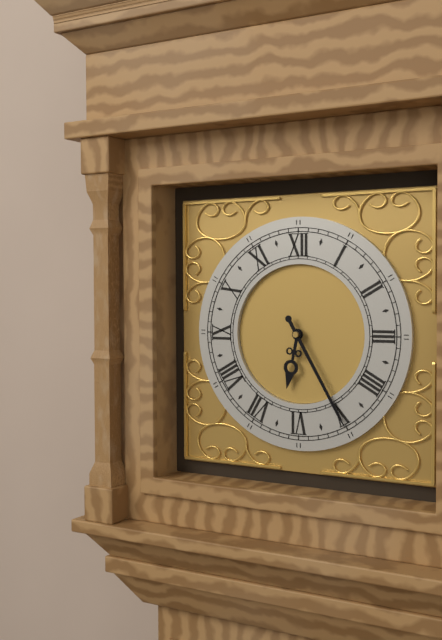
6:25
